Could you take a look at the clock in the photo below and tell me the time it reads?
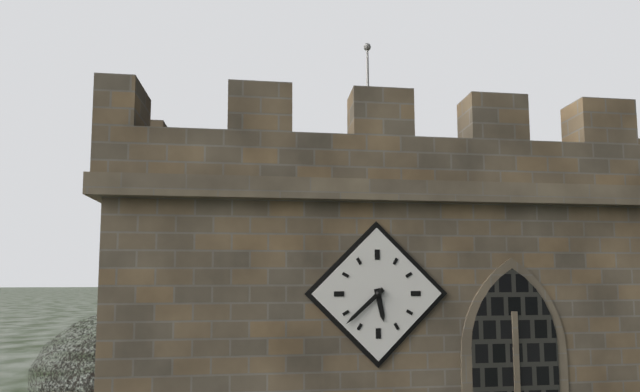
5:38
